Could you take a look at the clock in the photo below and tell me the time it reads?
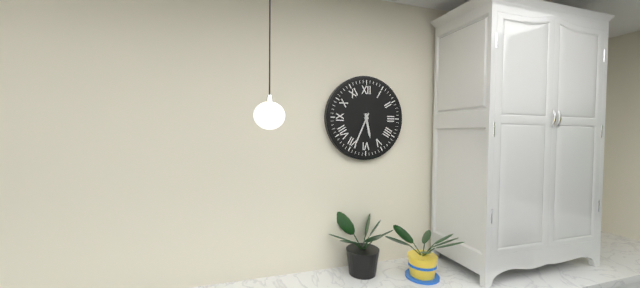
5:34
